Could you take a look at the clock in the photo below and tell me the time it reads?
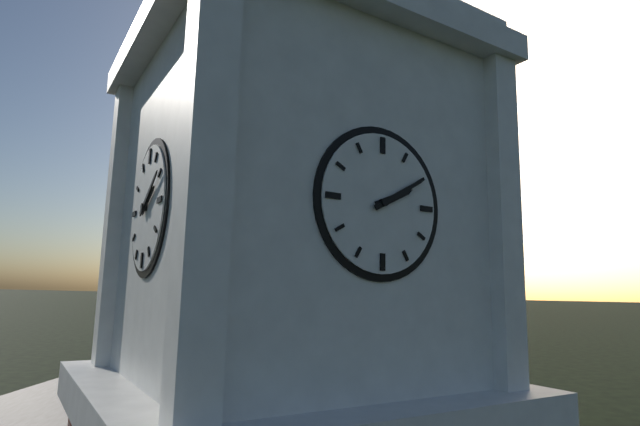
2:10
